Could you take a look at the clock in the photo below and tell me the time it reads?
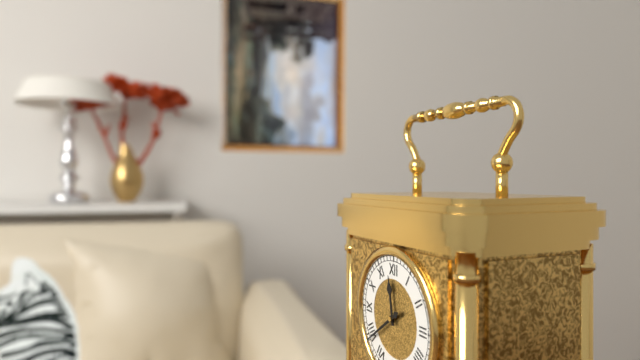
11:39
